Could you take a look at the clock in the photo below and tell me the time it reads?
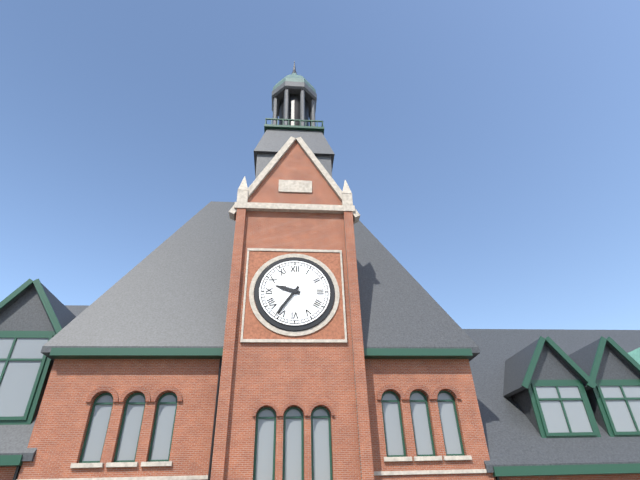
9:36
